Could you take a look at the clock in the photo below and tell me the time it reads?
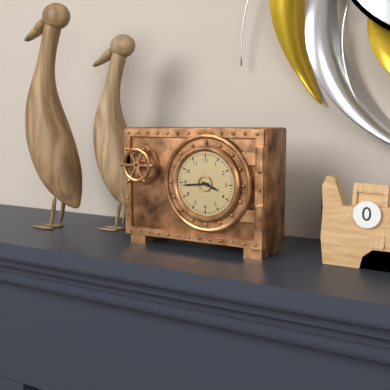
3:44
